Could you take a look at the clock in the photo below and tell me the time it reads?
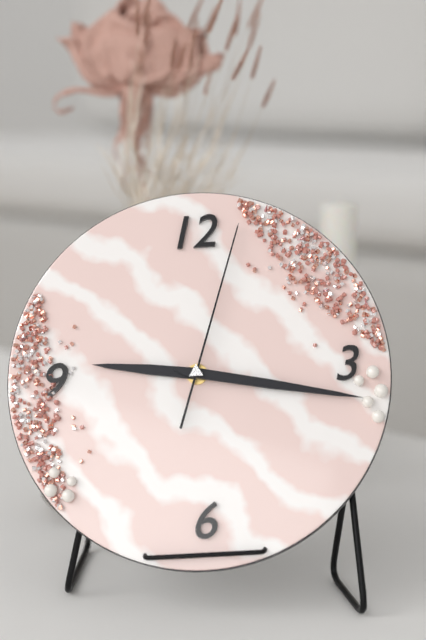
9:17:03
